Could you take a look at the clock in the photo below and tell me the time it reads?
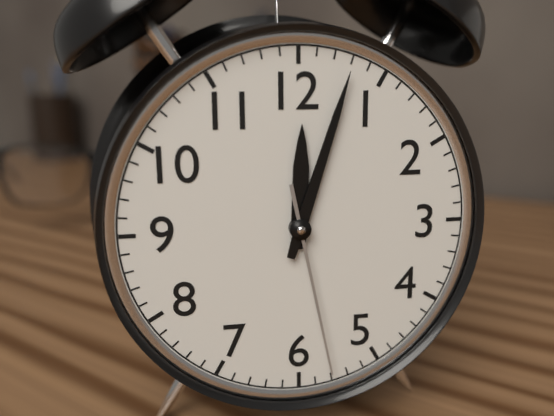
12:03:28
